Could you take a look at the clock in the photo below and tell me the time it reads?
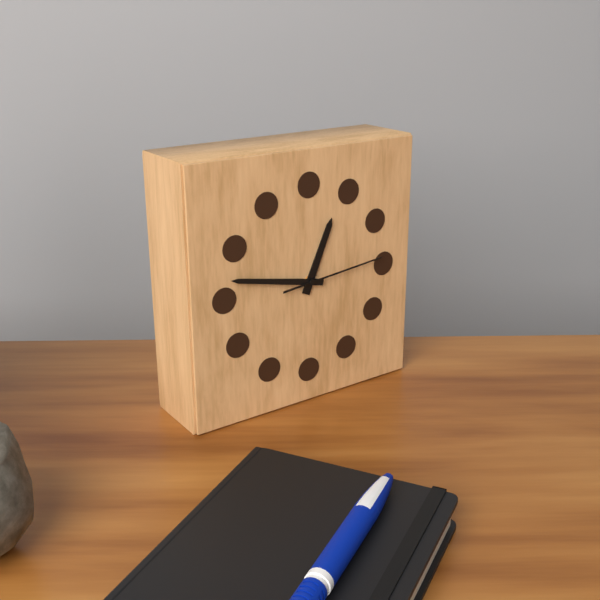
12:47:14
